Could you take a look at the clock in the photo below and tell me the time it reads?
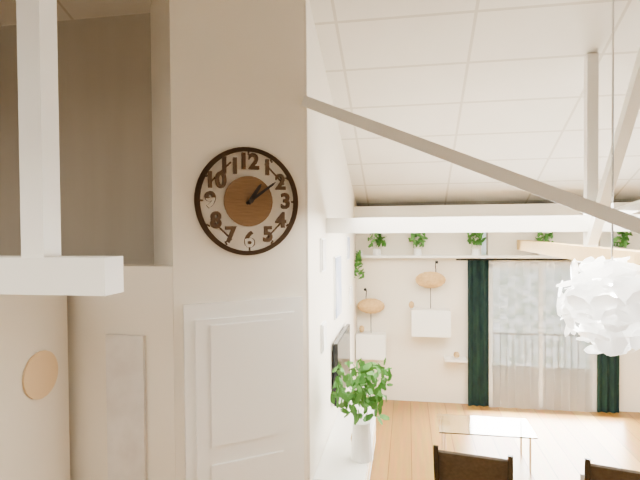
1:09
